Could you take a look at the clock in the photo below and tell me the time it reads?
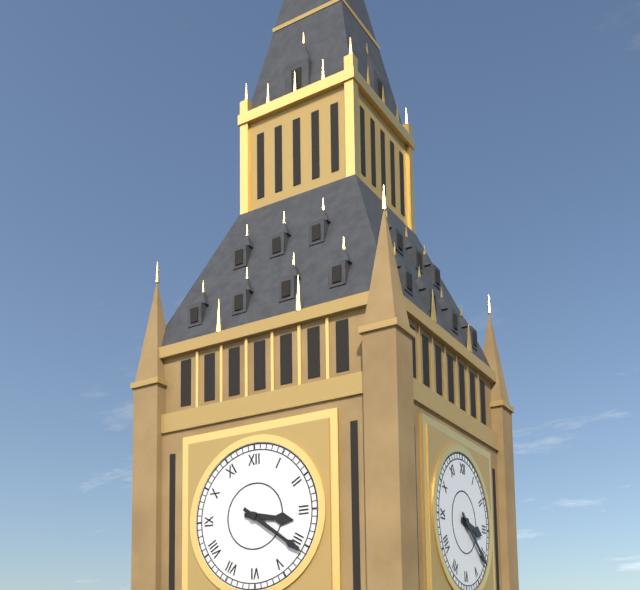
3:21
